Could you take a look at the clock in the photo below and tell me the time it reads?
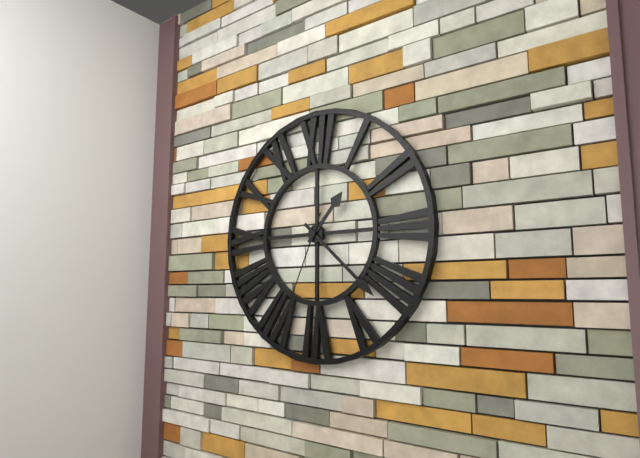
1:22:34
